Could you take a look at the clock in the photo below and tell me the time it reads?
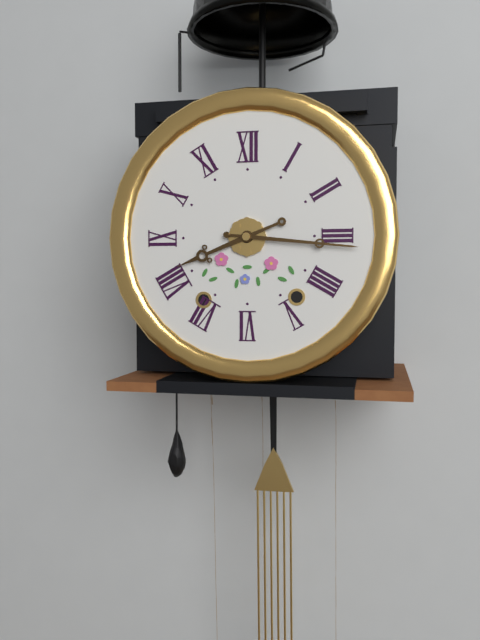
8:16
